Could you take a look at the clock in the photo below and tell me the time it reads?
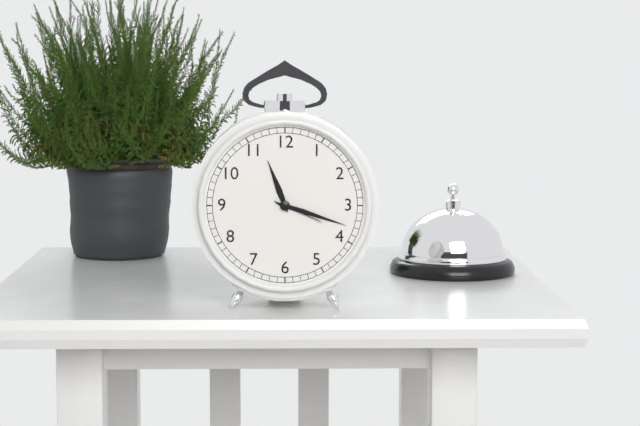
11:18:19
